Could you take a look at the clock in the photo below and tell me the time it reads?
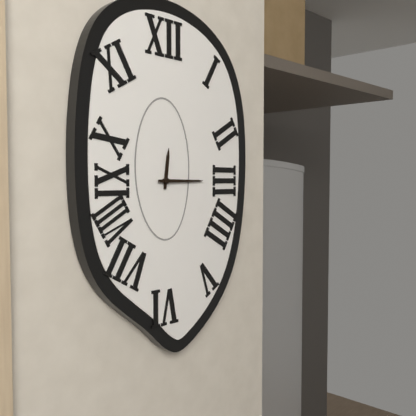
12:15
